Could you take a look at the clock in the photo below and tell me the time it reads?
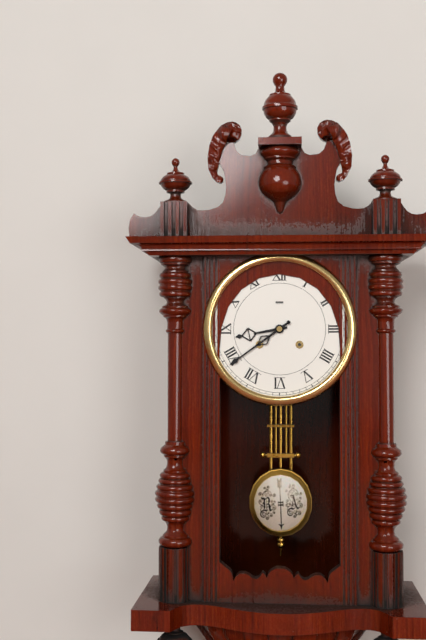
8:39
